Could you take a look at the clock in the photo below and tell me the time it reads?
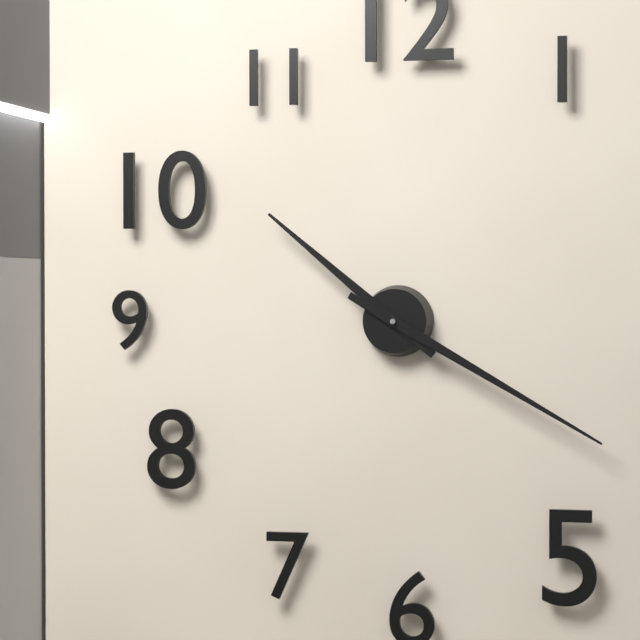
10:20
